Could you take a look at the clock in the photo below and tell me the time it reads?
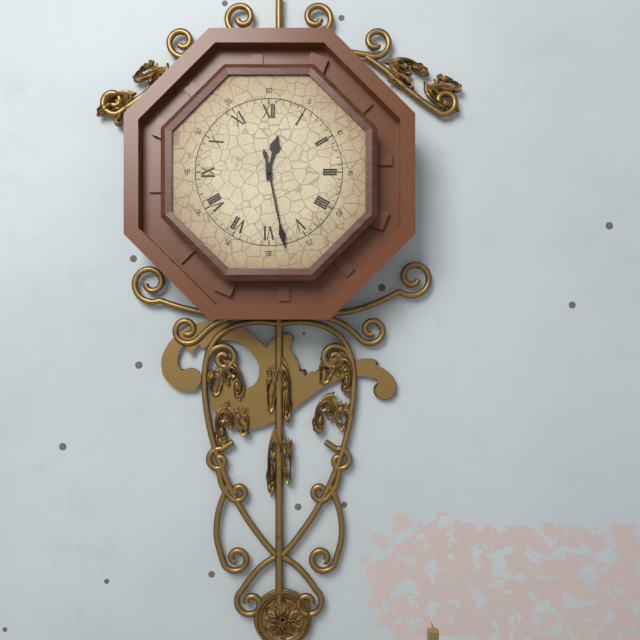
12:28
